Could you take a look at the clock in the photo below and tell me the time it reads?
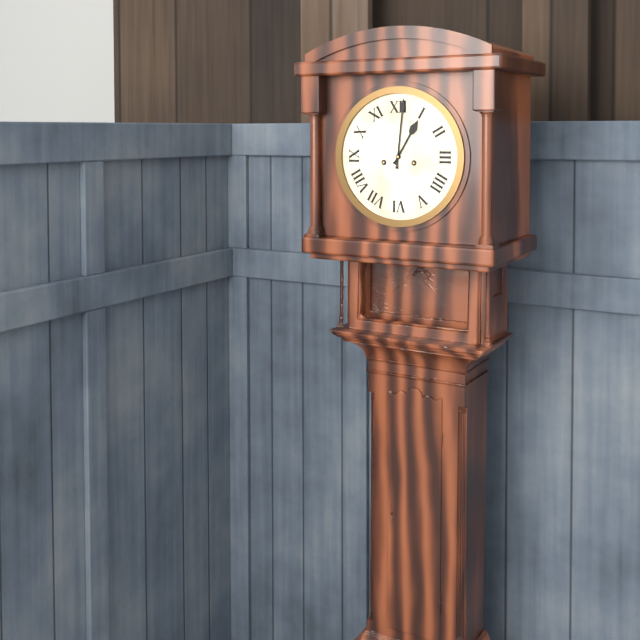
1:01
